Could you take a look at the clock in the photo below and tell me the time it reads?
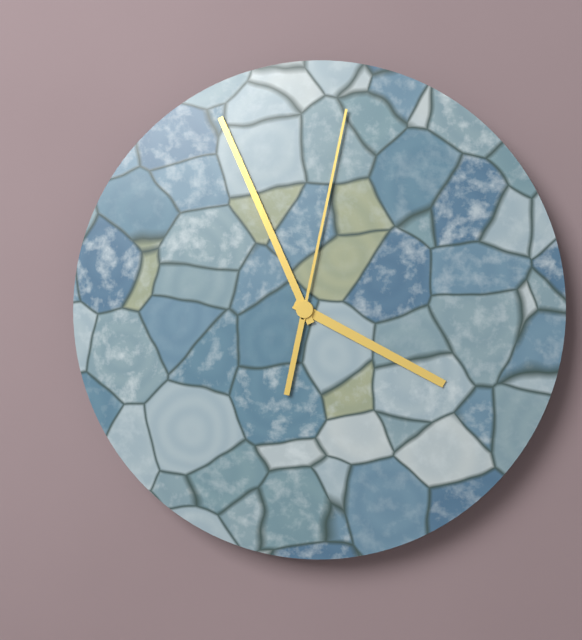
3:56:02
